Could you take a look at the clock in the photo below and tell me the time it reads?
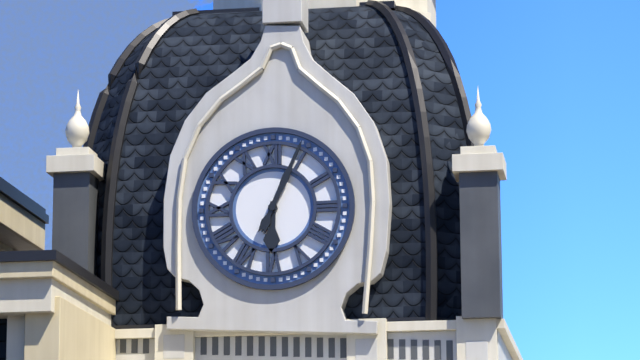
6:04
